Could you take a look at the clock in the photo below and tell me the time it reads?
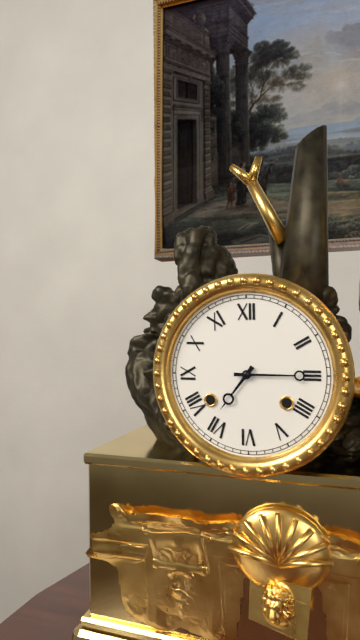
7:15
